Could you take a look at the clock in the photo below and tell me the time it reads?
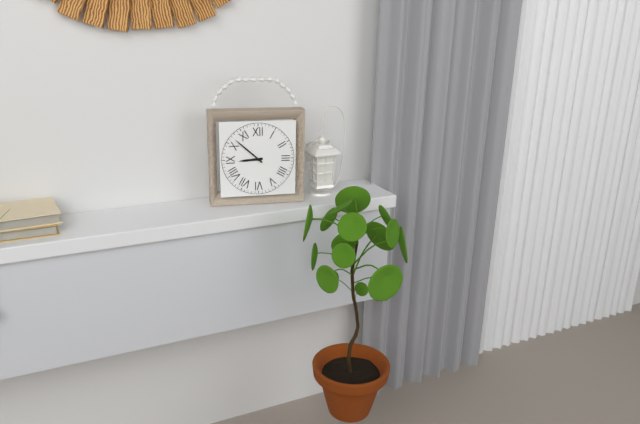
8:52
